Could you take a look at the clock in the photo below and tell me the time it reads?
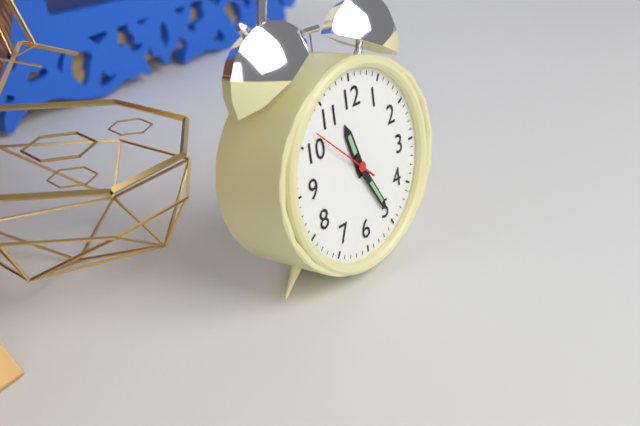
11:25:52
